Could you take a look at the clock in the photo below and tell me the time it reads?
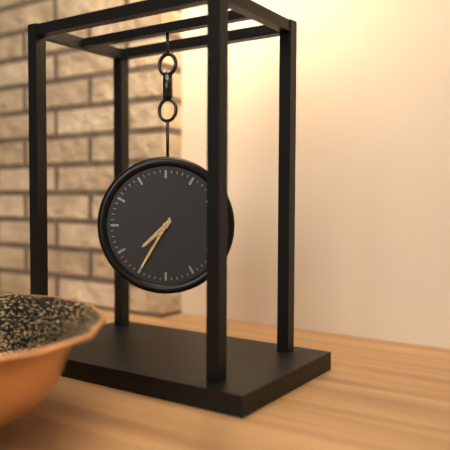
7:35
